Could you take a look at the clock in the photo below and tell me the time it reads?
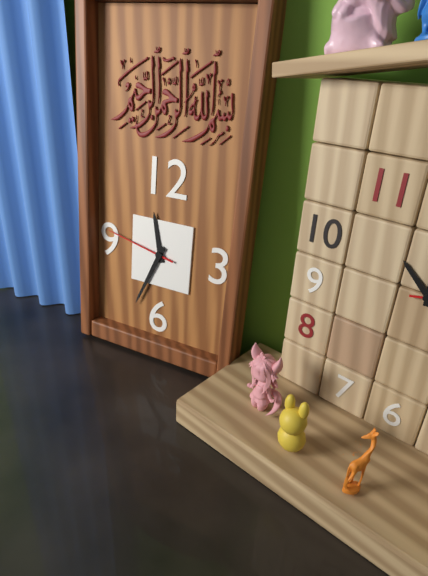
11:34:47
